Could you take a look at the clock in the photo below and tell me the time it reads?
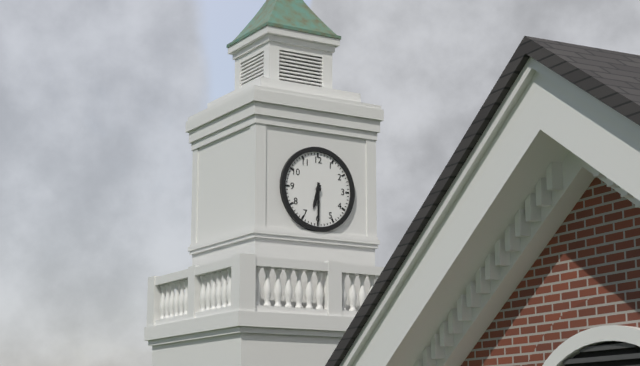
6:30
